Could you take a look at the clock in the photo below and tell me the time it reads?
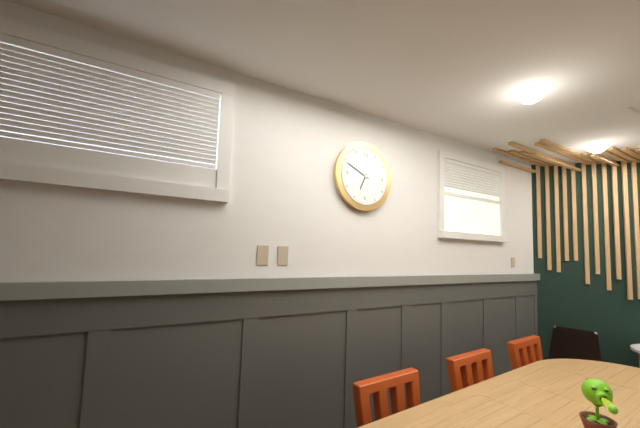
6:49
